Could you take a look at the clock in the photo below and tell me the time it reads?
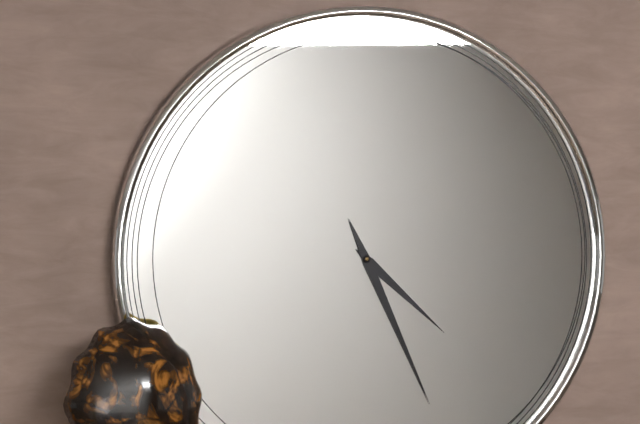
4:26
